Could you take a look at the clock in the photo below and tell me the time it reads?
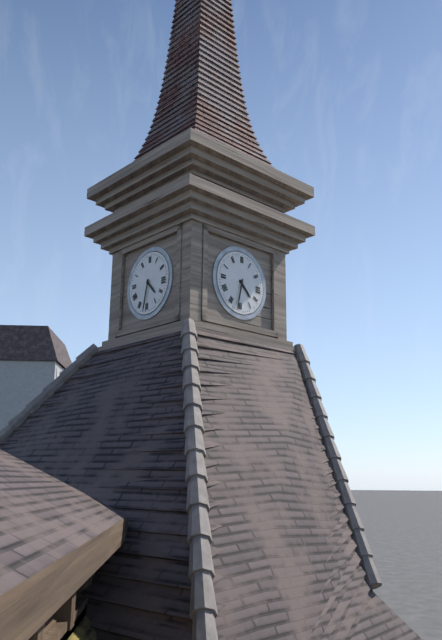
4:32
